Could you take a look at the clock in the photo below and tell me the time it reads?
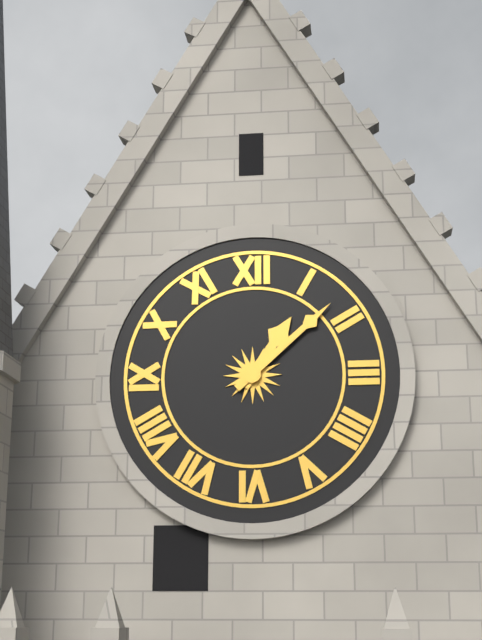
1:08
